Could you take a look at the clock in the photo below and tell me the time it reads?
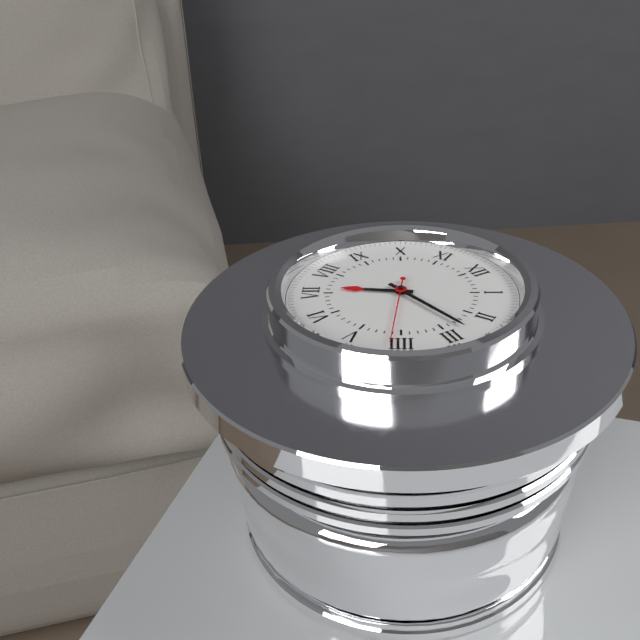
7:13:21
